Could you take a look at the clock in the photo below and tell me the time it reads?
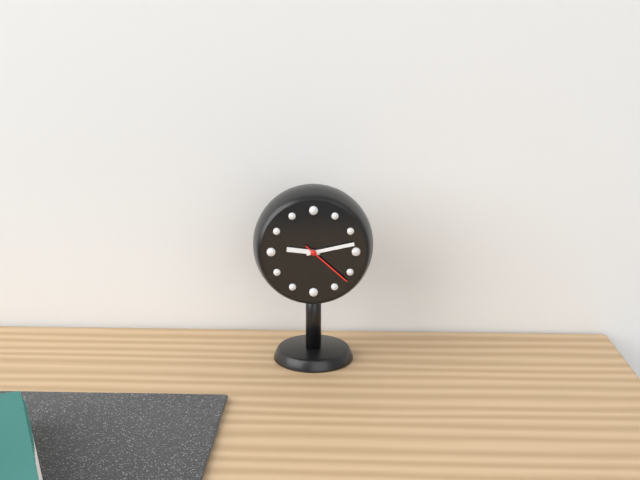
9:13:22
